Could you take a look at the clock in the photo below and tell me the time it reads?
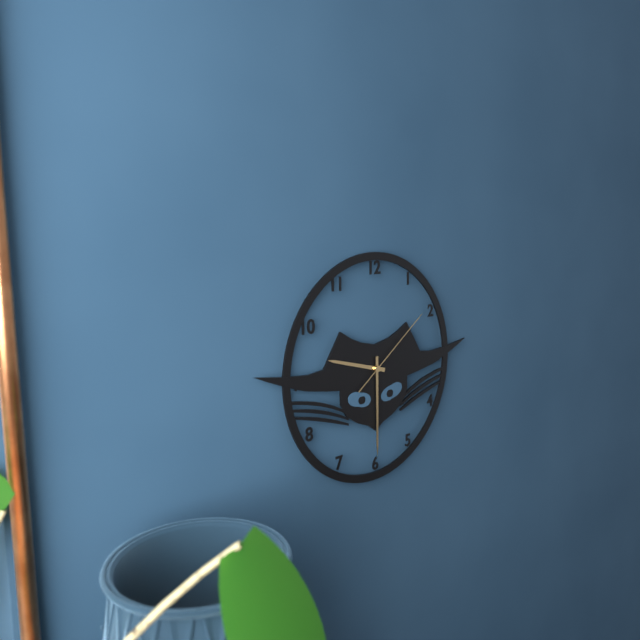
9:30:09
